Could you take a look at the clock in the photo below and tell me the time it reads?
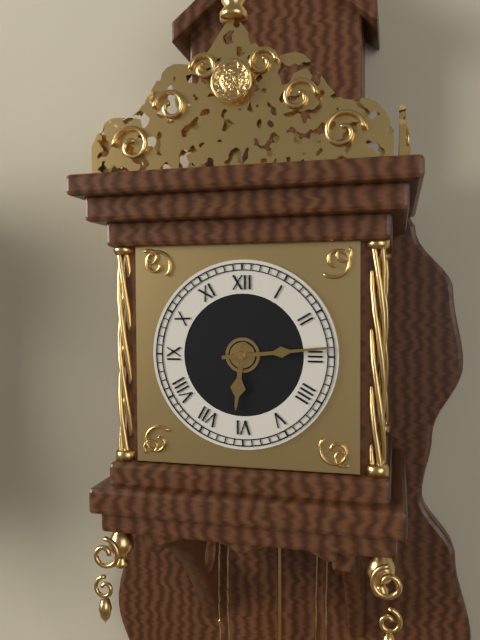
6:14
